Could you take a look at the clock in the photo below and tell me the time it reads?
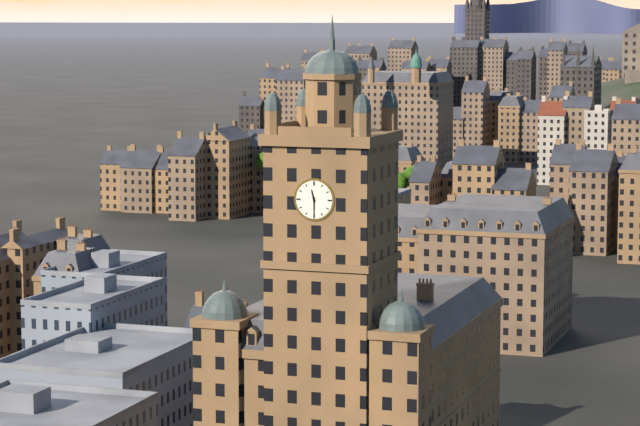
11:30
